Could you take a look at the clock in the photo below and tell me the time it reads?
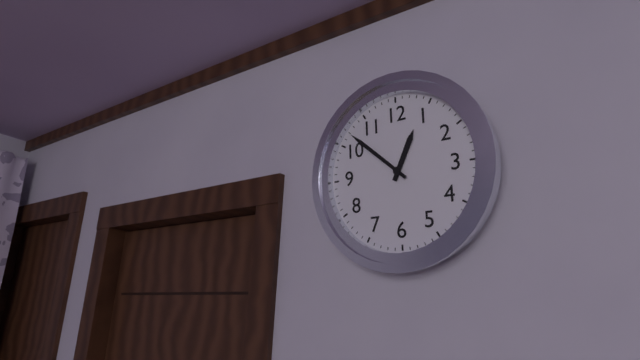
12:52
